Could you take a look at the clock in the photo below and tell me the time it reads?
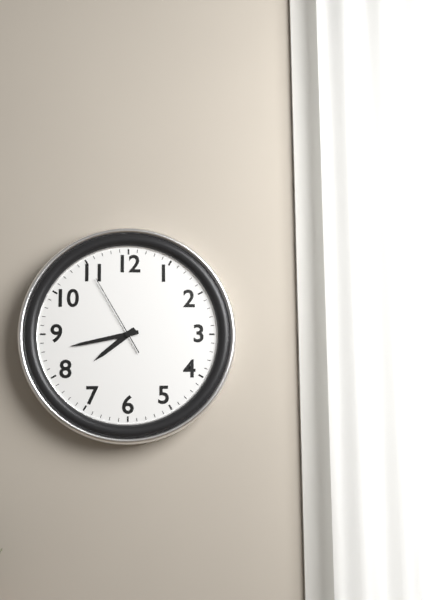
7:43:55
